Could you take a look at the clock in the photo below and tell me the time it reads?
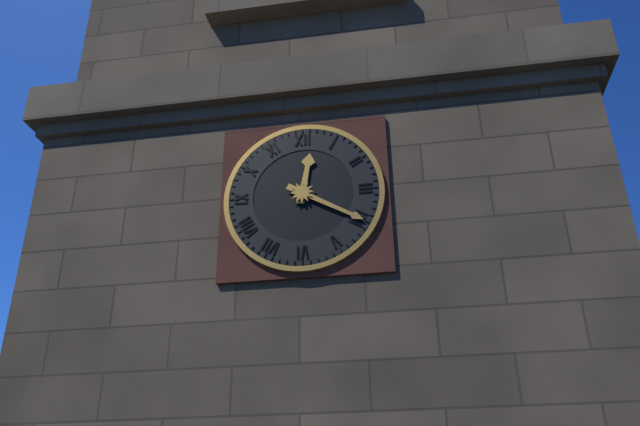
12:20
